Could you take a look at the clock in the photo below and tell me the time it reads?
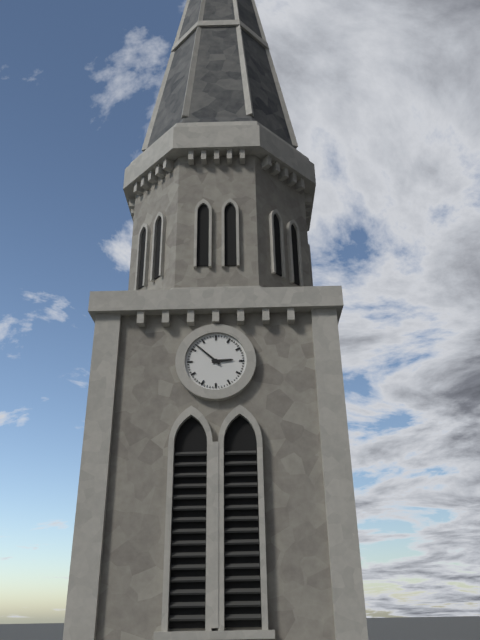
2:52
